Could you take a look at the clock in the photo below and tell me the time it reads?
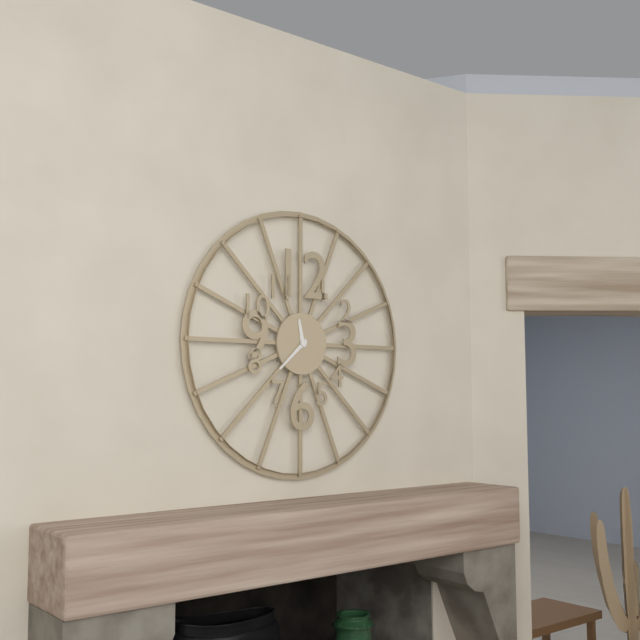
11:38
